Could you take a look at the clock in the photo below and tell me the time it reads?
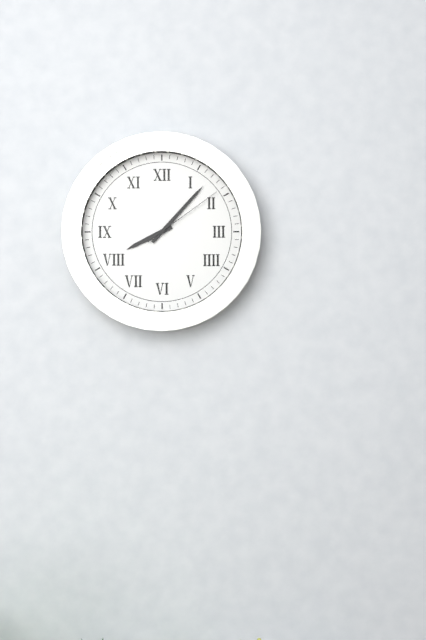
8:07:09
